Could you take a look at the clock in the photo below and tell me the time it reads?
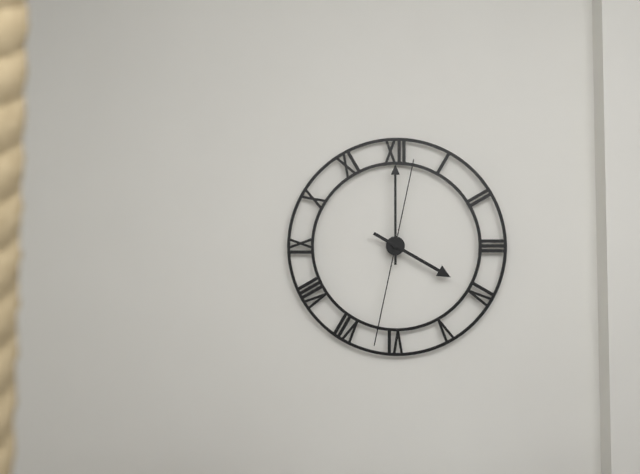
4:00:32
